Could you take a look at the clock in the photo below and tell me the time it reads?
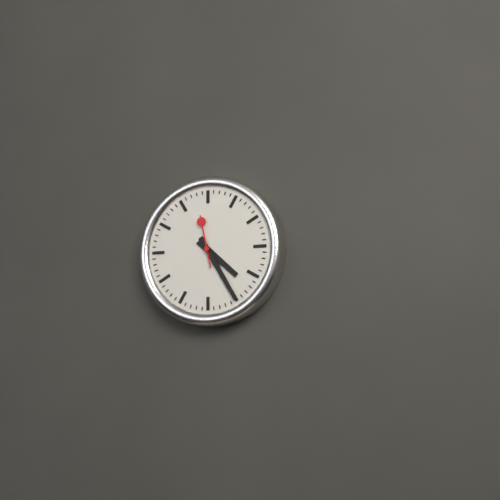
4:25
